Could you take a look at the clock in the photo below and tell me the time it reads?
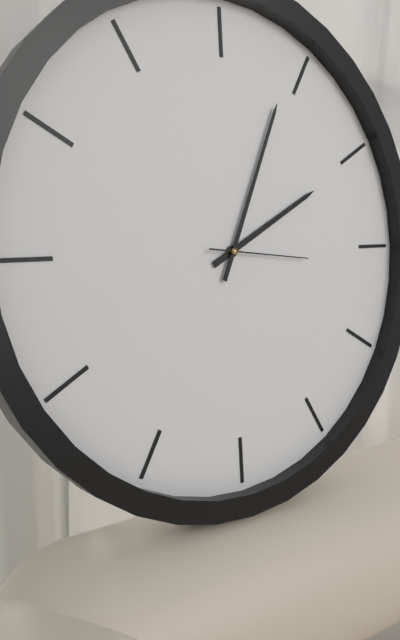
2:04:16
